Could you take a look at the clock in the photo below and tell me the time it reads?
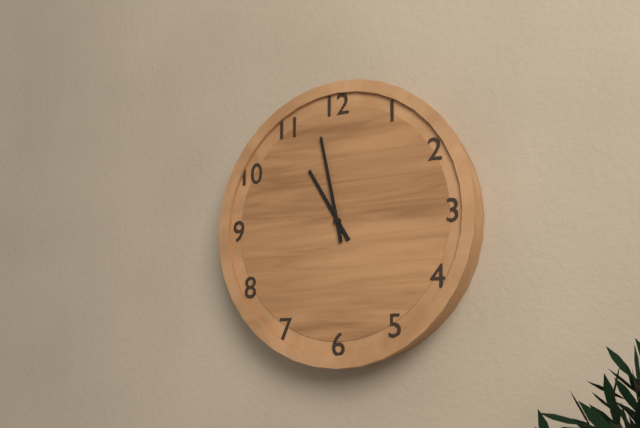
10:58
